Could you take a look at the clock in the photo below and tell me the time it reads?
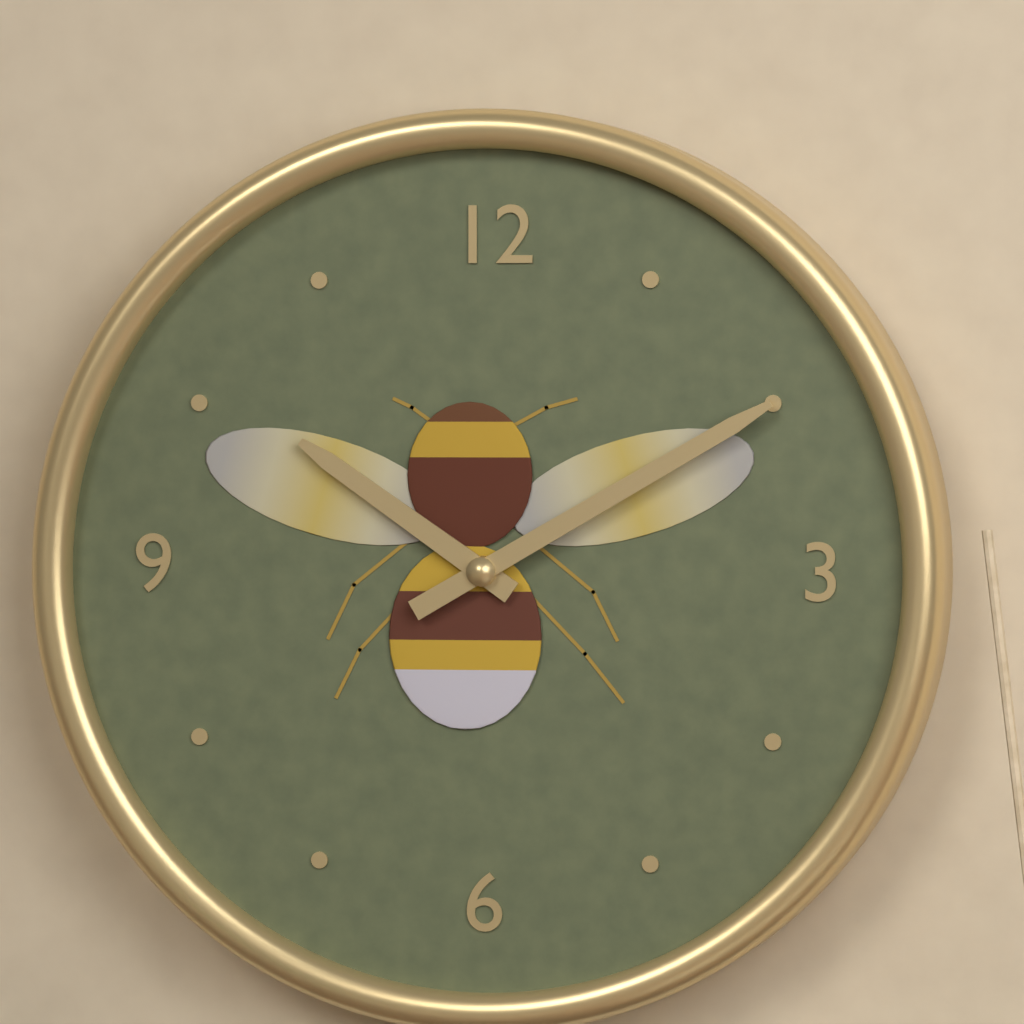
10:10
